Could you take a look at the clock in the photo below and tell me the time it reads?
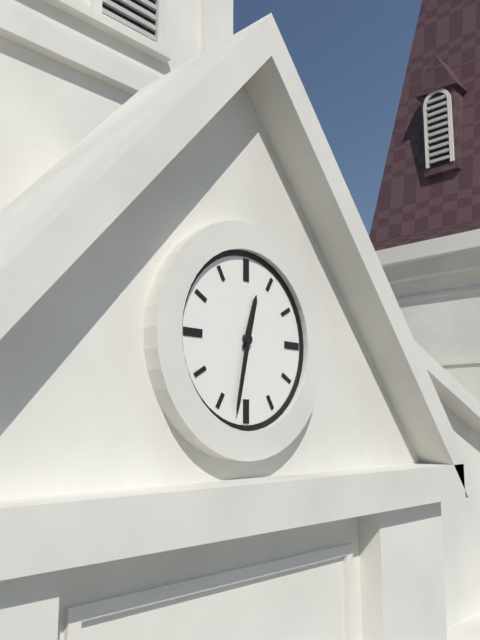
12:32
